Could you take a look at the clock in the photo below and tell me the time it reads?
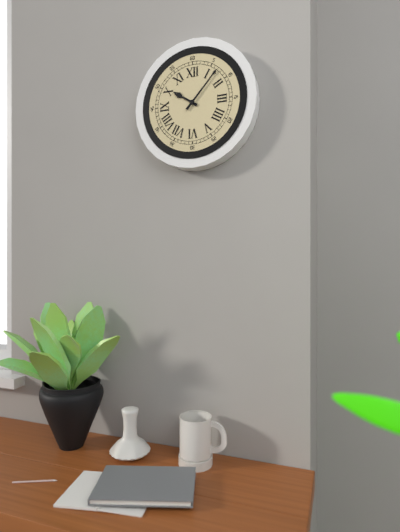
10:07
